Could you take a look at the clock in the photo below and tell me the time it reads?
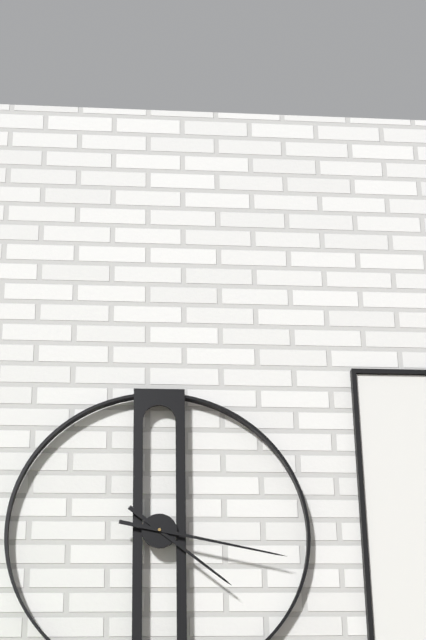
4:17
